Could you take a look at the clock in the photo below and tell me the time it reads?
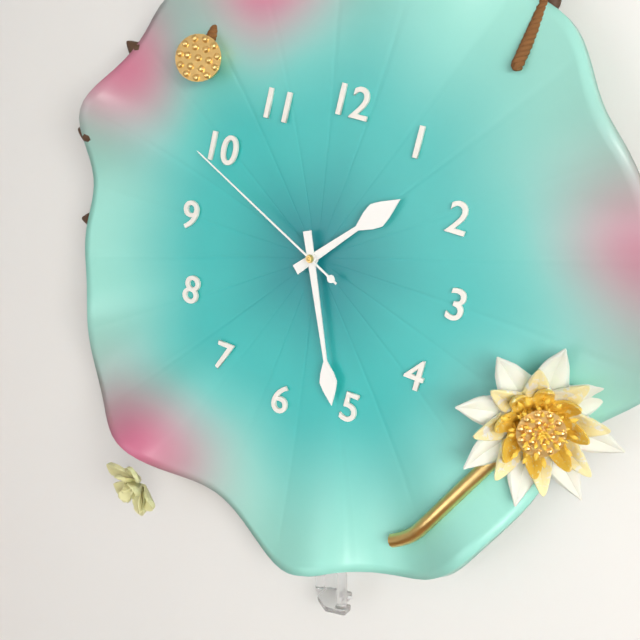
1:26:49
